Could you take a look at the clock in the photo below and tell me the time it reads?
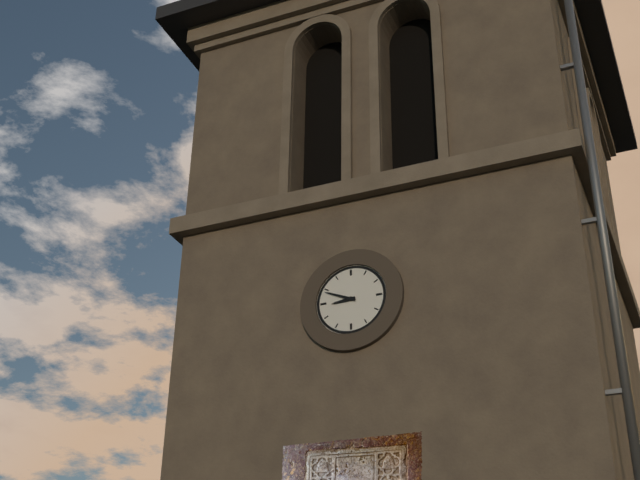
8:49
